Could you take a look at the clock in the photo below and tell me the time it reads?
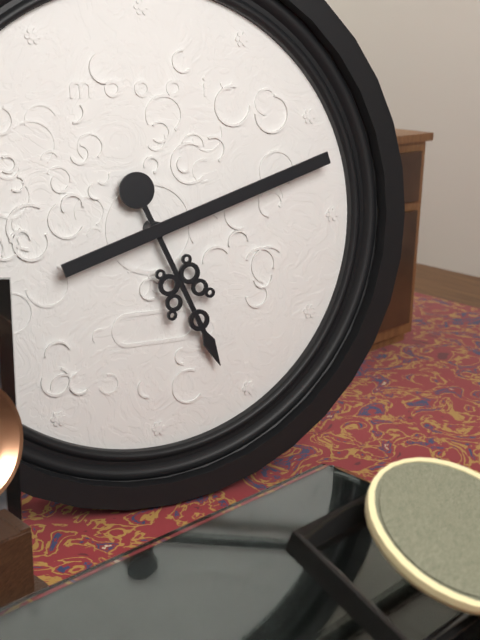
5:12
